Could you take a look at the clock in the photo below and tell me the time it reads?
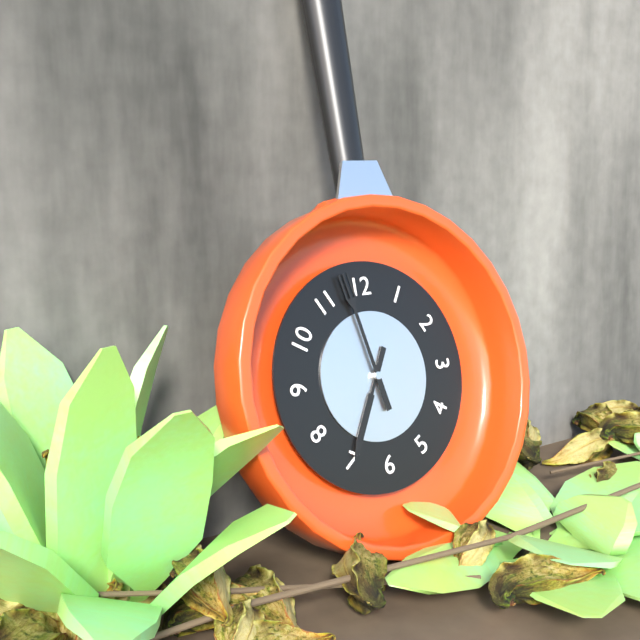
6:58
